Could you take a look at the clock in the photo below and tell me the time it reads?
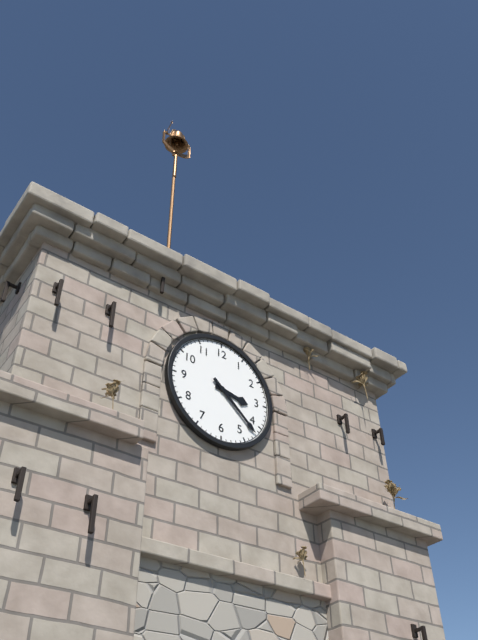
3:22
